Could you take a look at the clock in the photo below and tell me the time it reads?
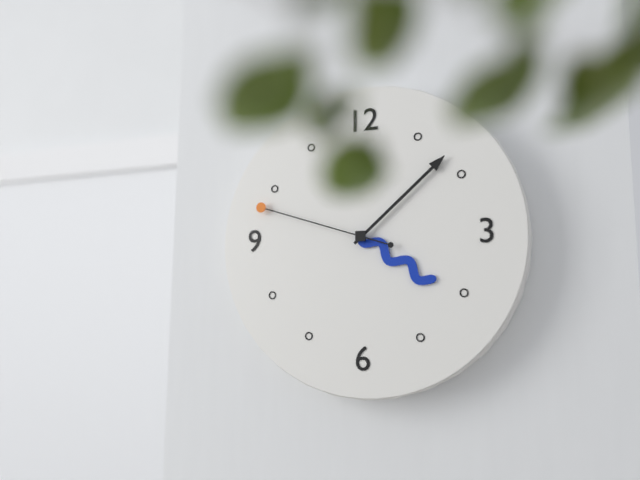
4:08:48
